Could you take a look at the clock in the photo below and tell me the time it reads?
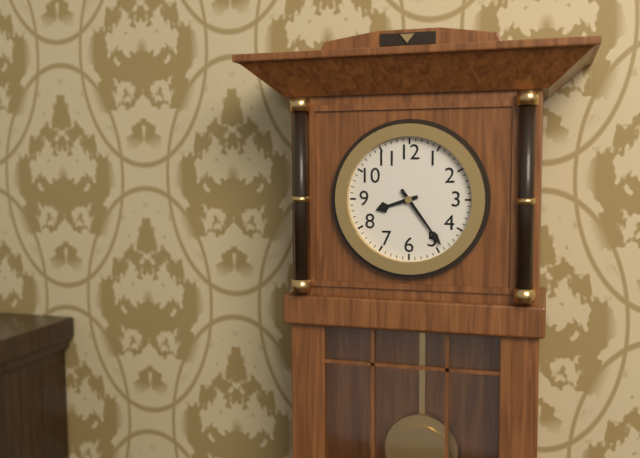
8:24
